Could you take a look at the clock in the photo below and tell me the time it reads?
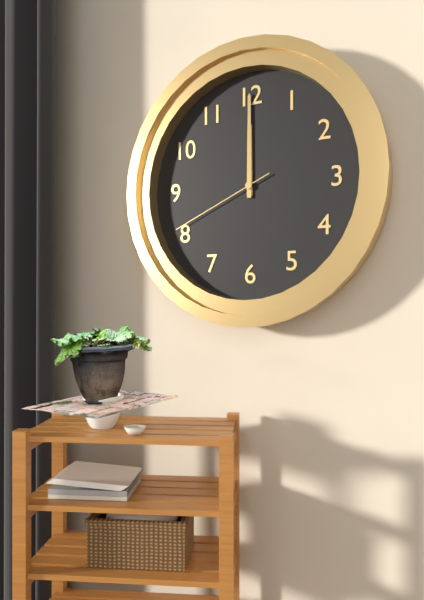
12:00:41
